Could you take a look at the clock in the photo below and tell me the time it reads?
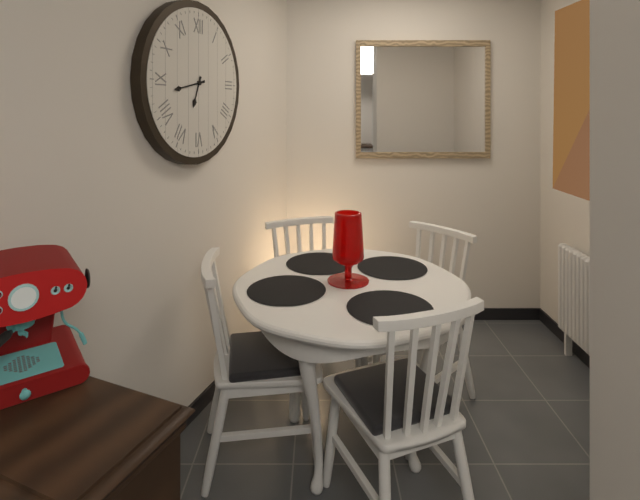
6:43
